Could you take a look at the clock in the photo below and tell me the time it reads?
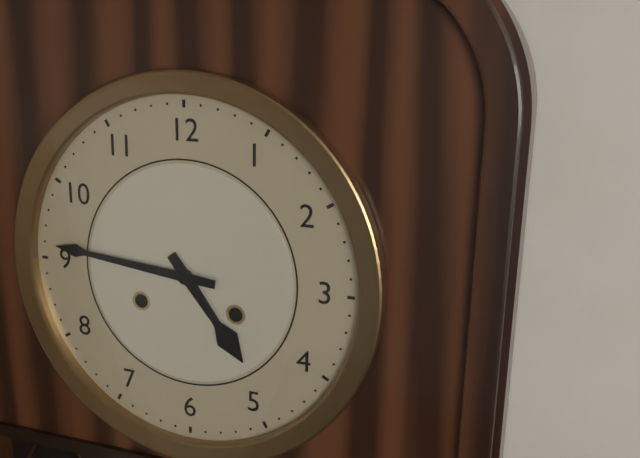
4:46
